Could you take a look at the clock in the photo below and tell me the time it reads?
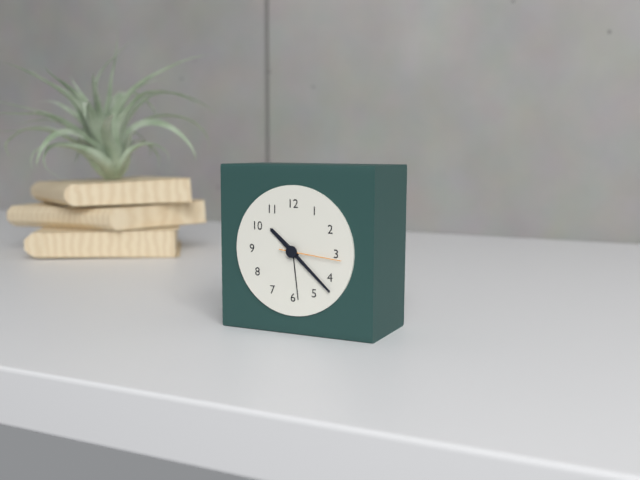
10:22:16
